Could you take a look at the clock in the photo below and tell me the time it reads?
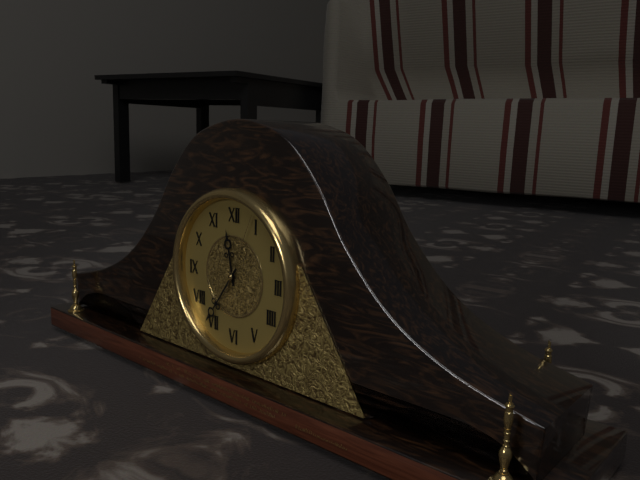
11:36:04
